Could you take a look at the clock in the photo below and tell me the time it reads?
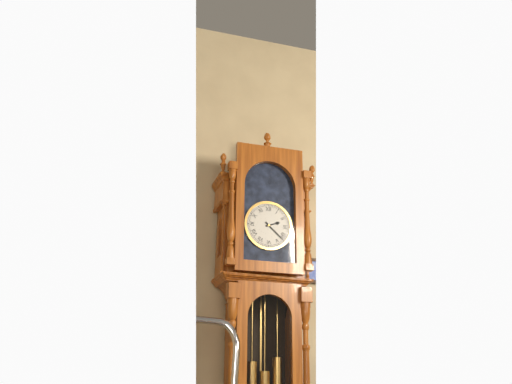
2:22
